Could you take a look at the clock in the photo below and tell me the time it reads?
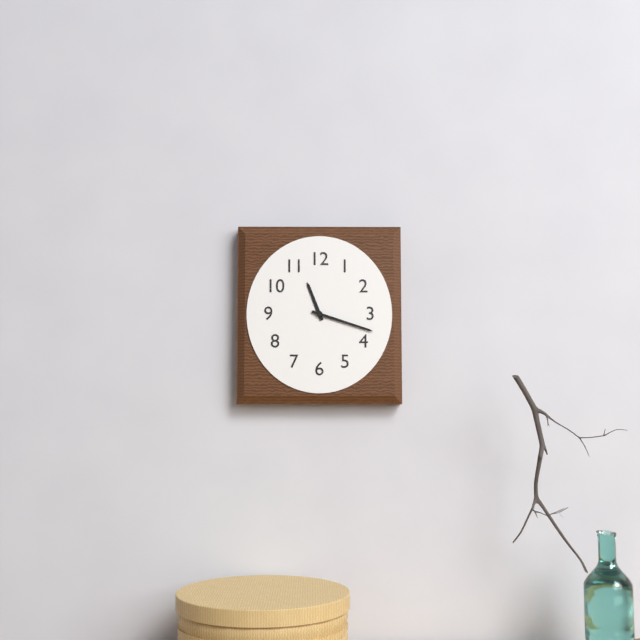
11:18
